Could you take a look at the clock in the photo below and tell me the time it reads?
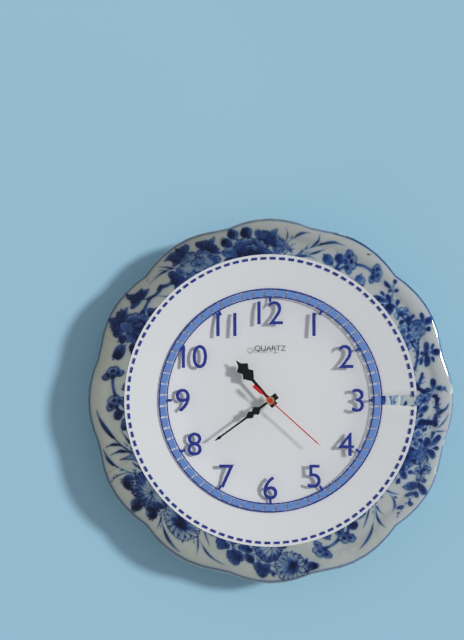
10:39:22
